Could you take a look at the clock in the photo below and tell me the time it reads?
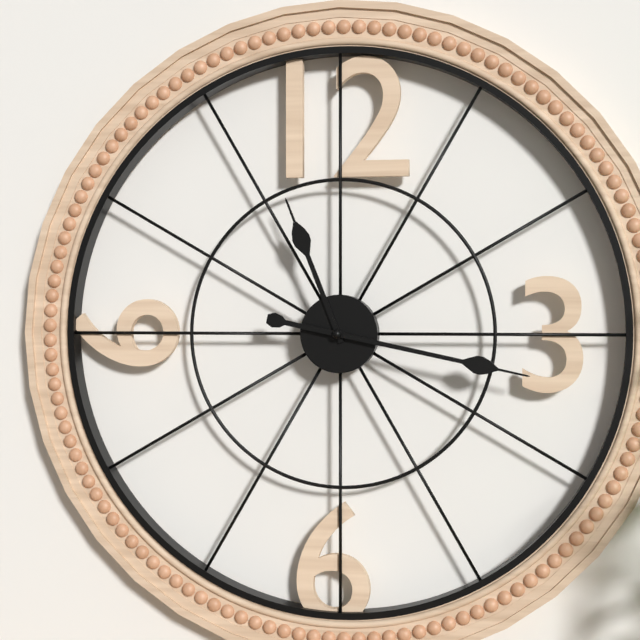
11:17
